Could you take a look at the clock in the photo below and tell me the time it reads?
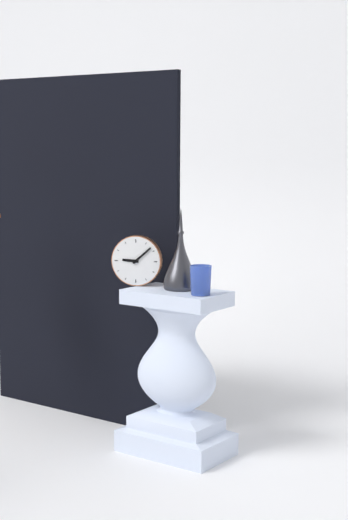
9:08
